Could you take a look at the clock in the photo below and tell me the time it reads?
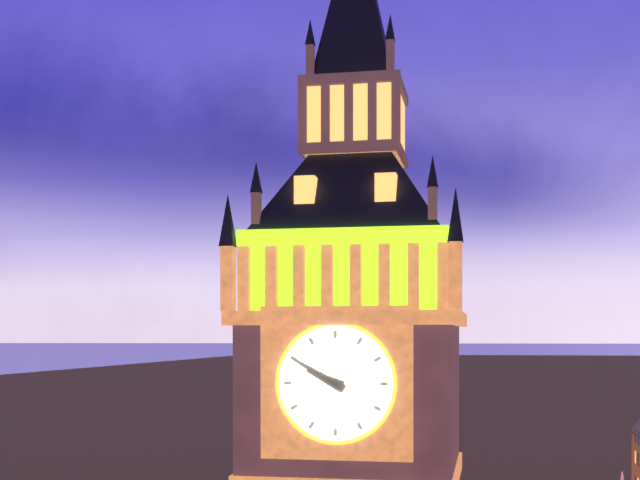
9:50
